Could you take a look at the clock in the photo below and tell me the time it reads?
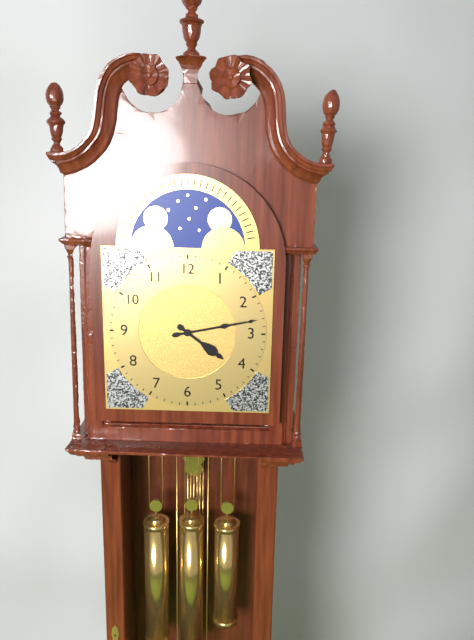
4:13
